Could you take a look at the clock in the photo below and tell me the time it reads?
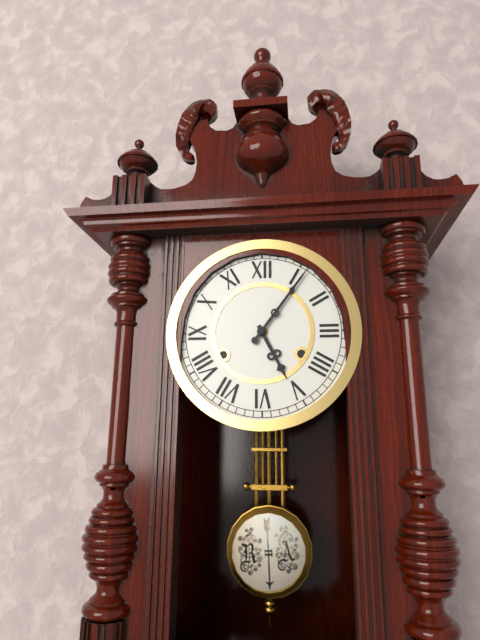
5:06
